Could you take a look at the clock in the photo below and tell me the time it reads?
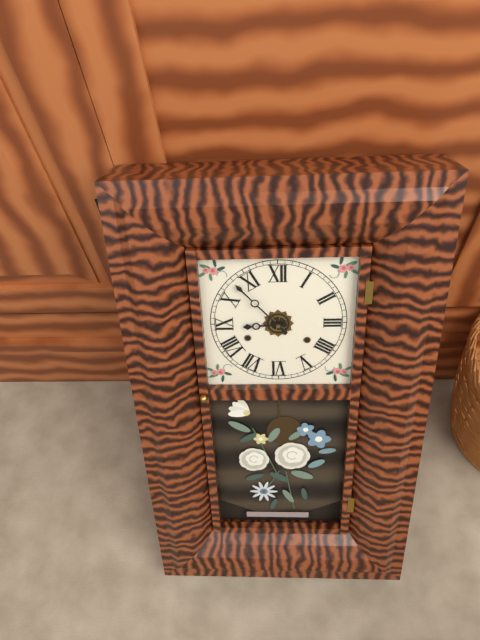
8:53
